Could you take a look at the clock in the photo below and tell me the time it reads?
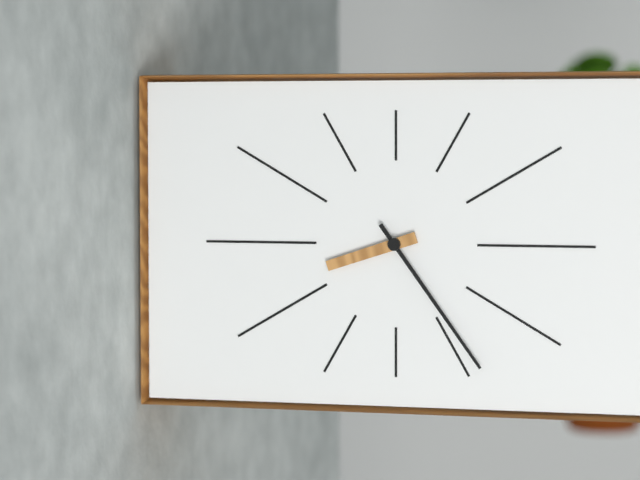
8:24
